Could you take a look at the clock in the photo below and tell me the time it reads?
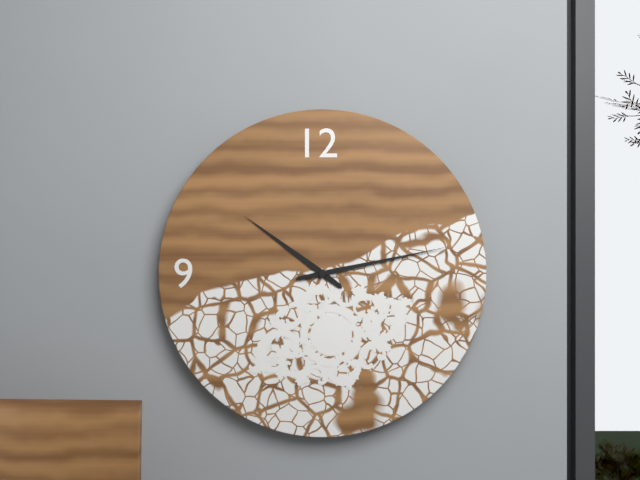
10:13
